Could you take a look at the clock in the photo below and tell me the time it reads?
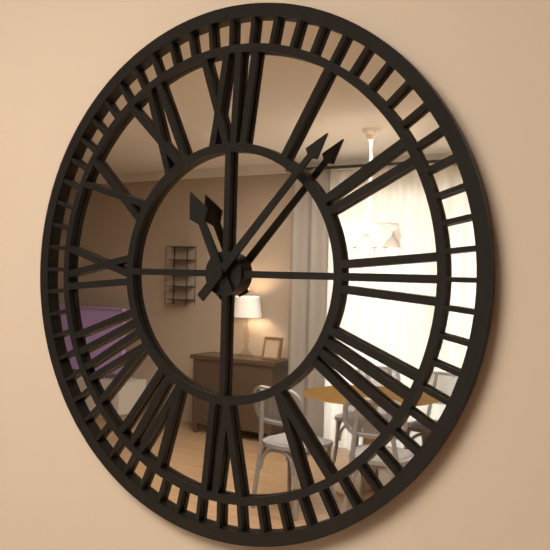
11:07
